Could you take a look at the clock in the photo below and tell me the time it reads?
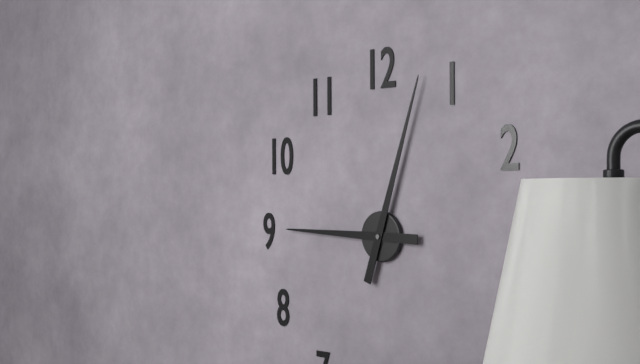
9:03
